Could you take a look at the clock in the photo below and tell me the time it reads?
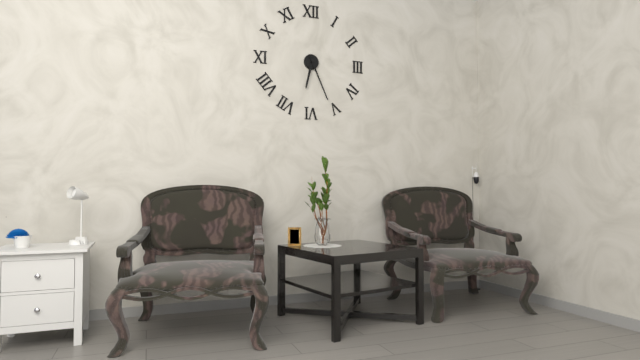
6:26
